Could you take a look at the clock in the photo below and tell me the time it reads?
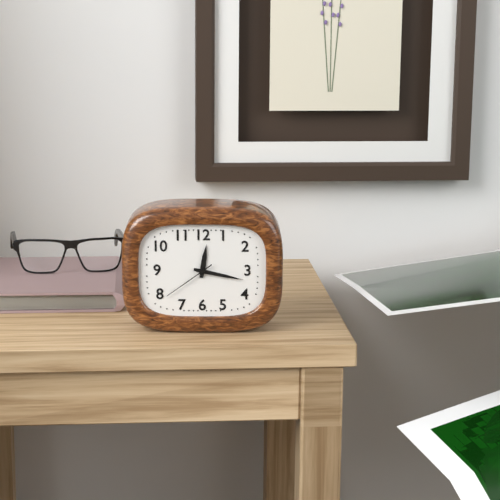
12:17:39
